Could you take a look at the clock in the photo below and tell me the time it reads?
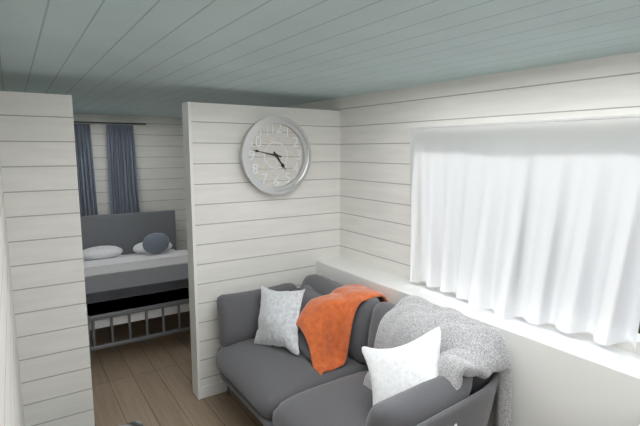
4:47
